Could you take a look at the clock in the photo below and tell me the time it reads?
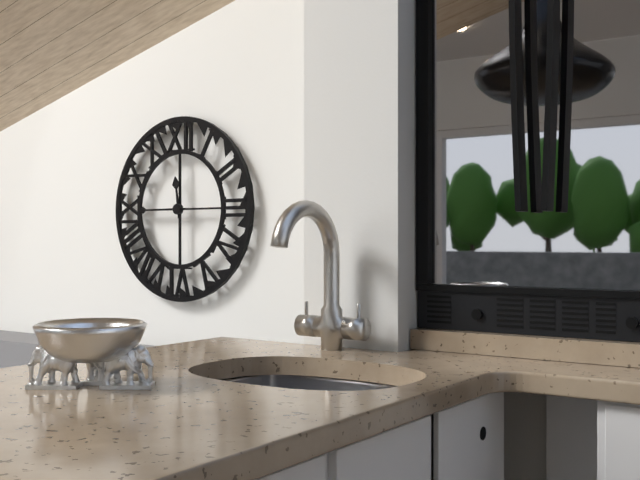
11:45
